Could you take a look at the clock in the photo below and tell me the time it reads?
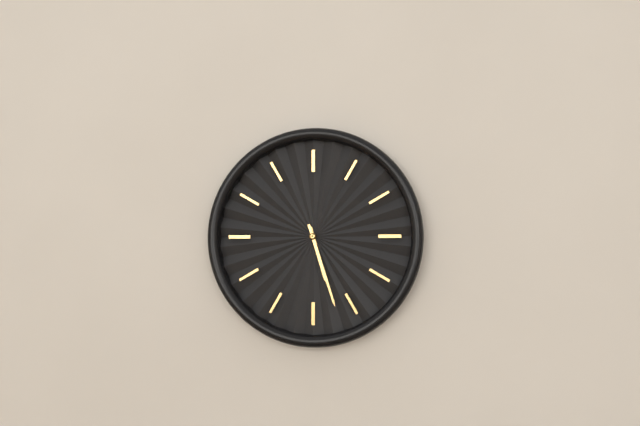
5:27
